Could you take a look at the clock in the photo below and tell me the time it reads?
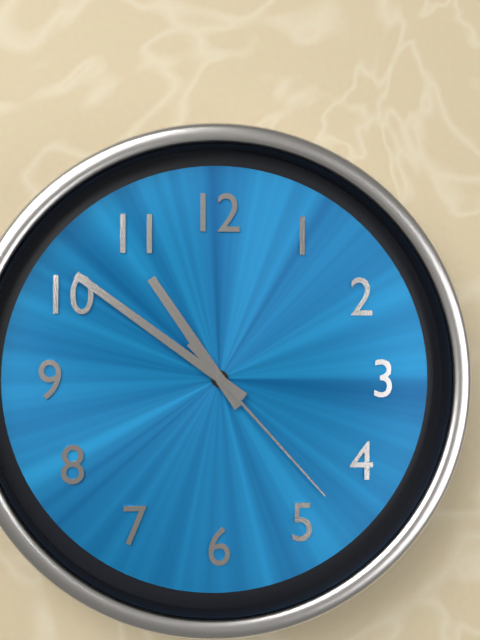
10:51:23
